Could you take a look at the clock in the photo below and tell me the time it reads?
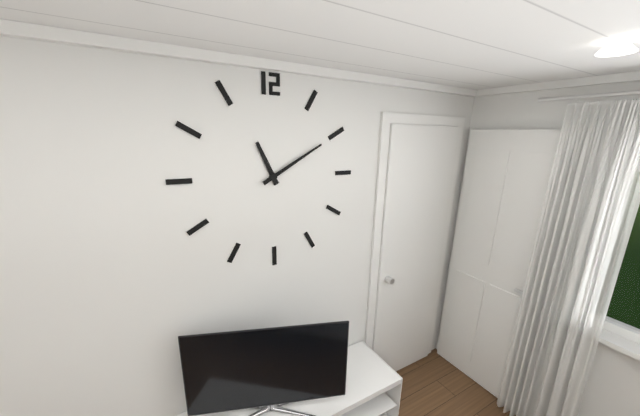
11:10
